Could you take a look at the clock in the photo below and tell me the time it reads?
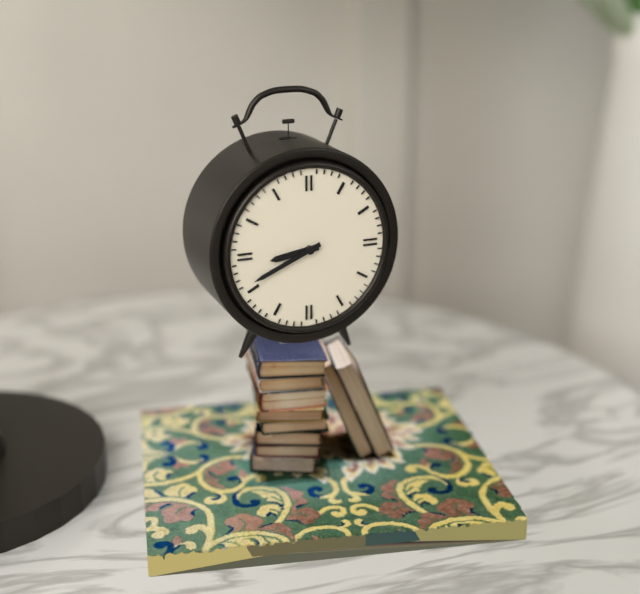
8:41
